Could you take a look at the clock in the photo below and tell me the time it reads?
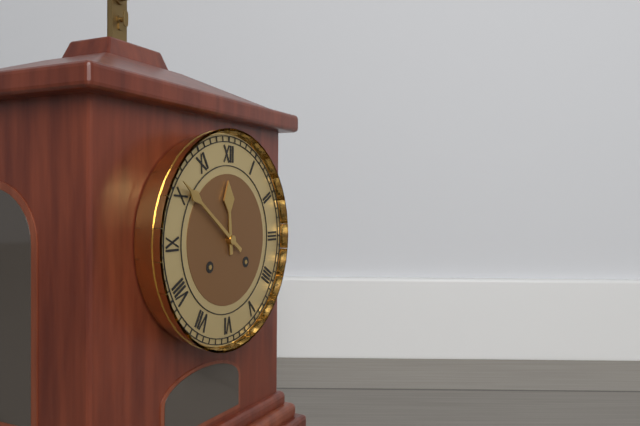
11:51
